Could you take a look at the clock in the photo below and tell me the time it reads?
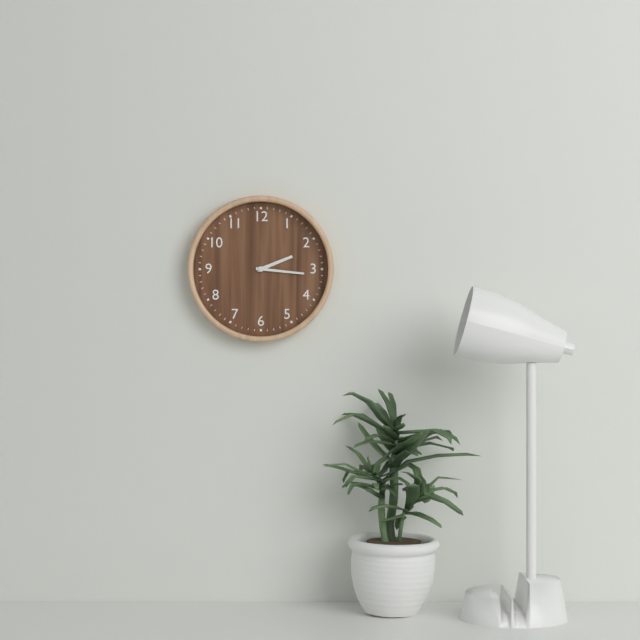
2:16
